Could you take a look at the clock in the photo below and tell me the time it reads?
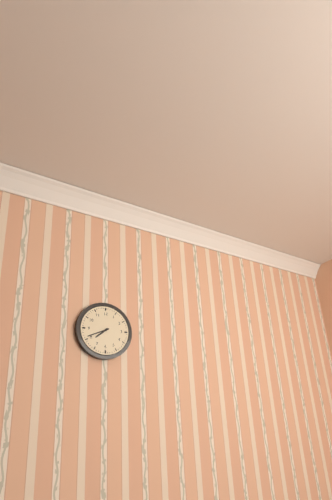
7:41
